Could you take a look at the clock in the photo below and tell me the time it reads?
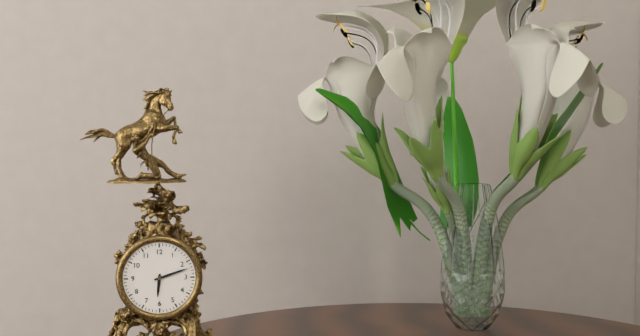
6:12
